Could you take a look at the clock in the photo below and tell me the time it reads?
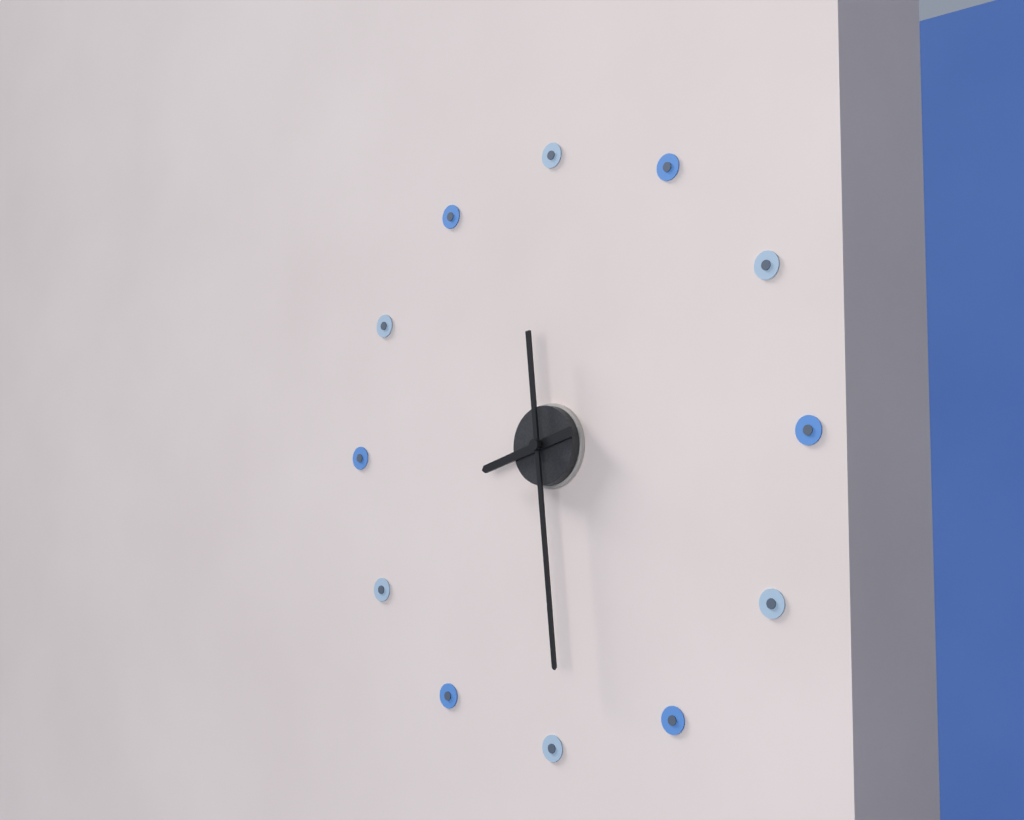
8:29
